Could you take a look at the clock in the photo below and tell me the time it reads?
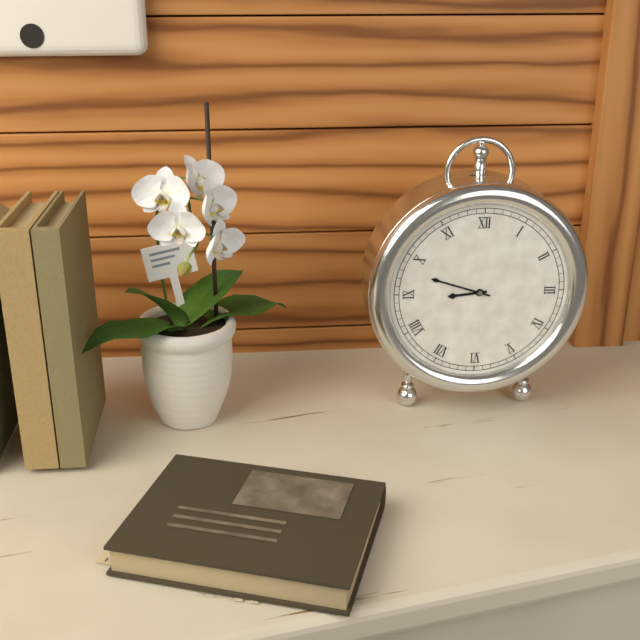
8:48
